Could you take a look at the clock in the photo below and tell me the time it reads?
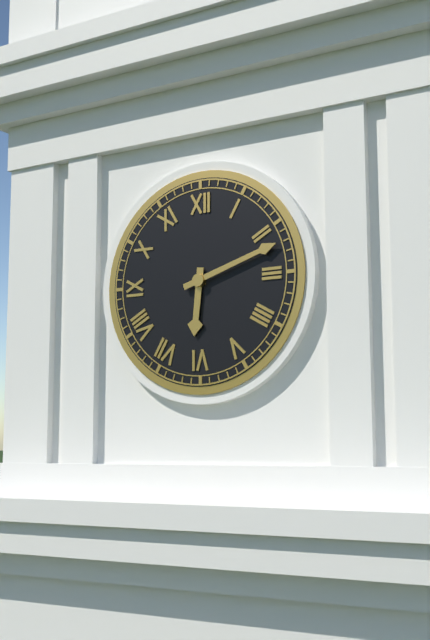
6:12
